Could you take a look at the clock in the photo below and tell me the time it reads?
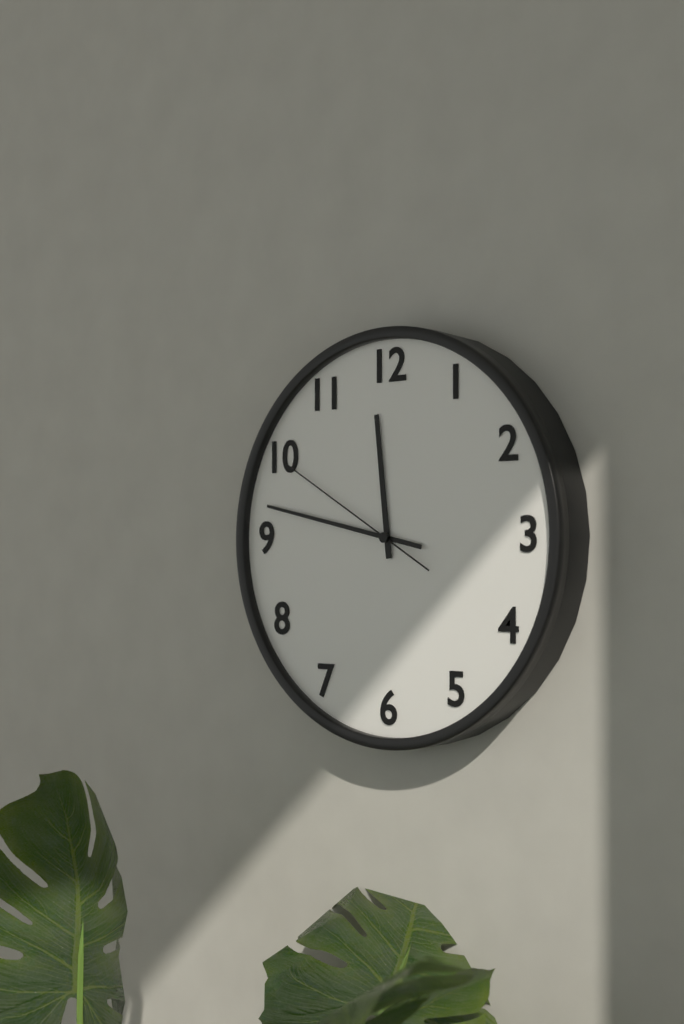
11:47:50
